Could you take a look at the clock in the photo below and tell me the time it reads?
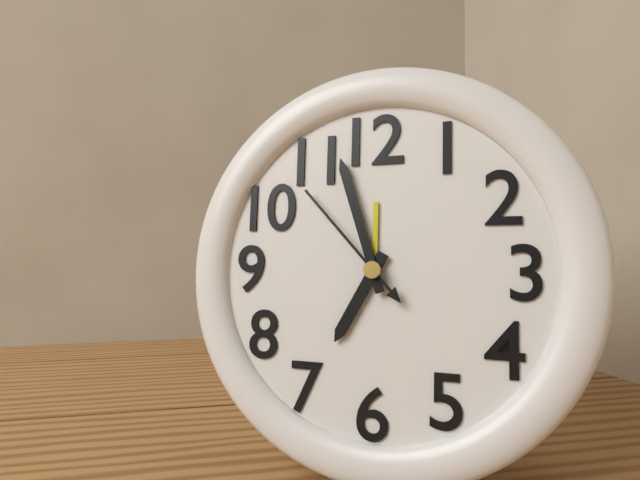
6:57:53
